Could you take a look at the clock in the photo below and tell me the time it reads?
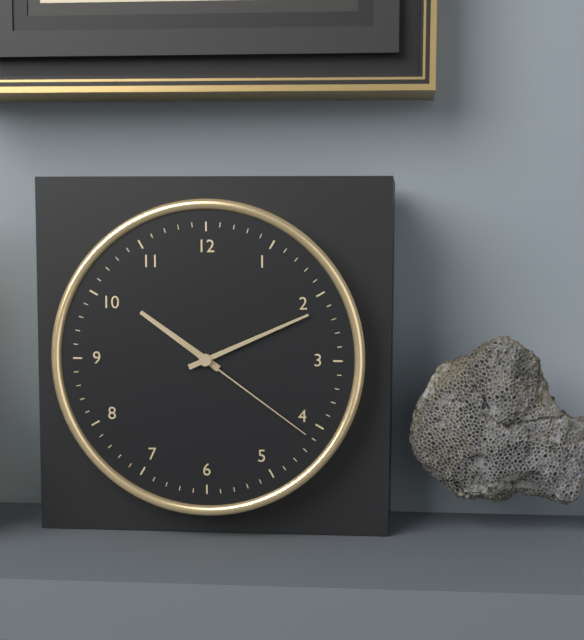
10:11:21
